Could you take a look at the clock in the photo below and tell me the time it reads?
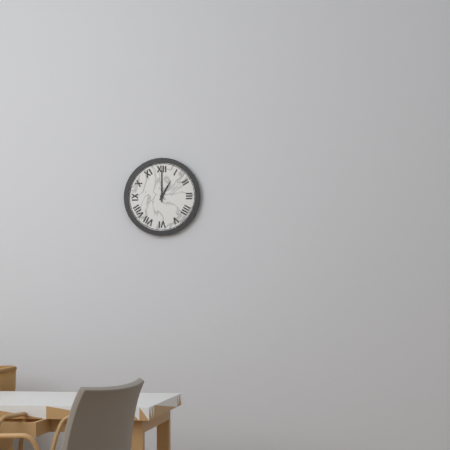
1:00
